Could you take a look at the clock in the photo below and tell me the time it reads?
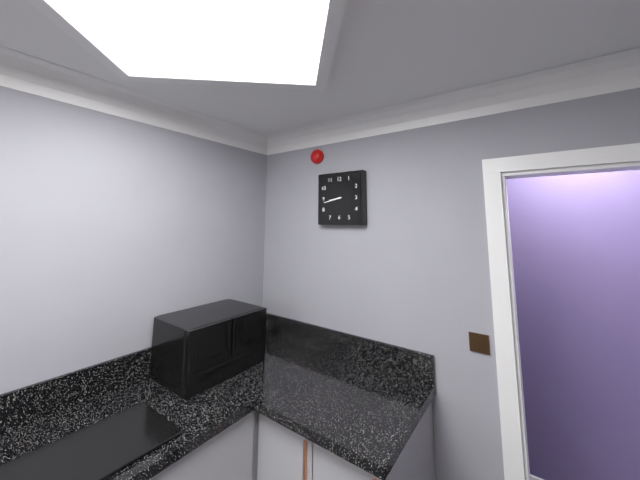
8:43
